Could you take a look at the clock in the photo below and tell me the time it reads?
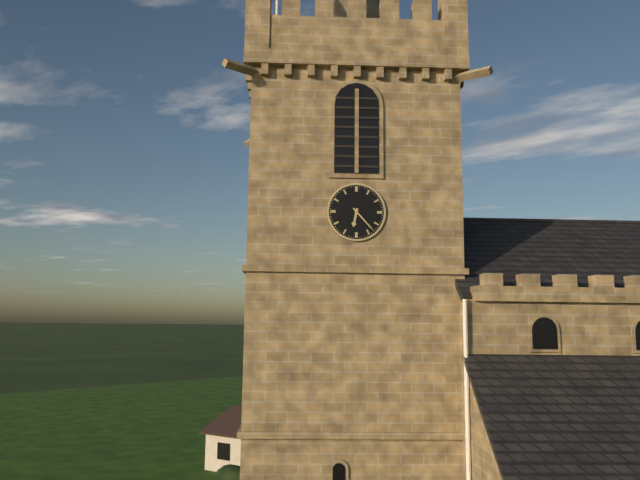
6:23
